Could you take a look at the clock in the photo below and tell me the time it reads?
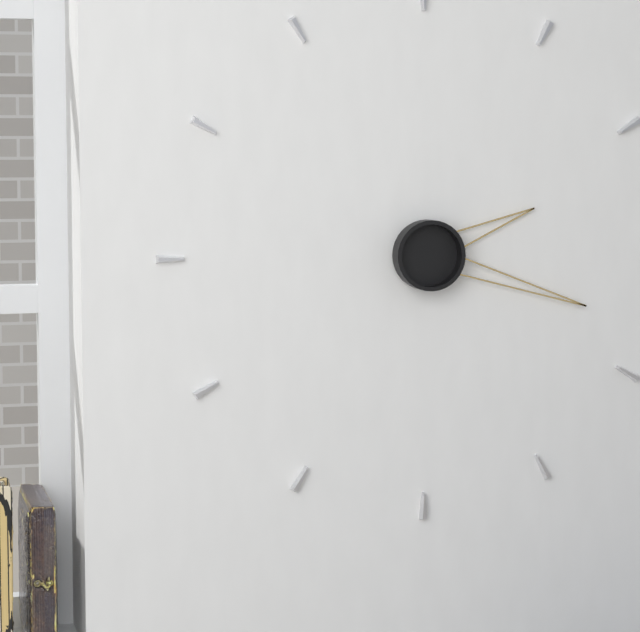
2:18
